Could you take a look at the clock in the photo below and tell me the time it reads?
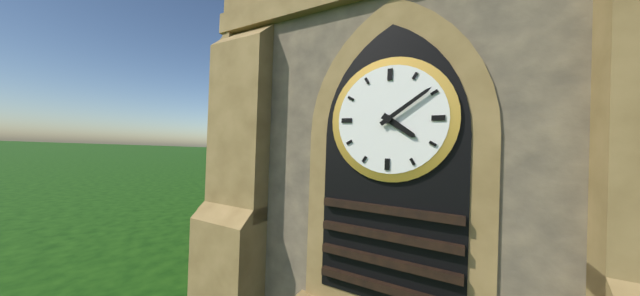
4:09
